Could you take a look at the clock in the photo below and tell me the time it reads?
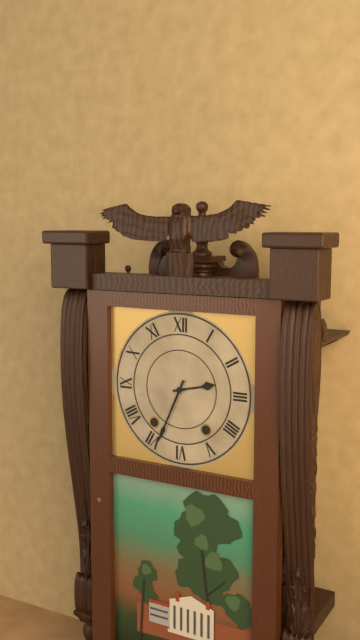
2:34
